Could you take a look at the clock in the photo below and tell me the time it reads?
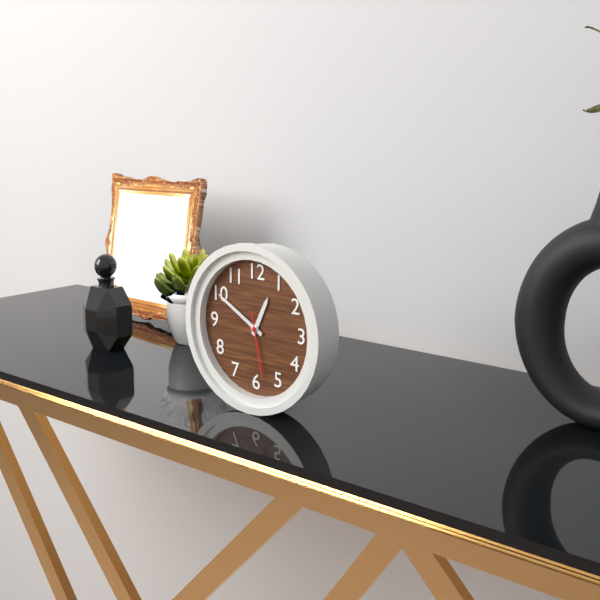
12:50:28
